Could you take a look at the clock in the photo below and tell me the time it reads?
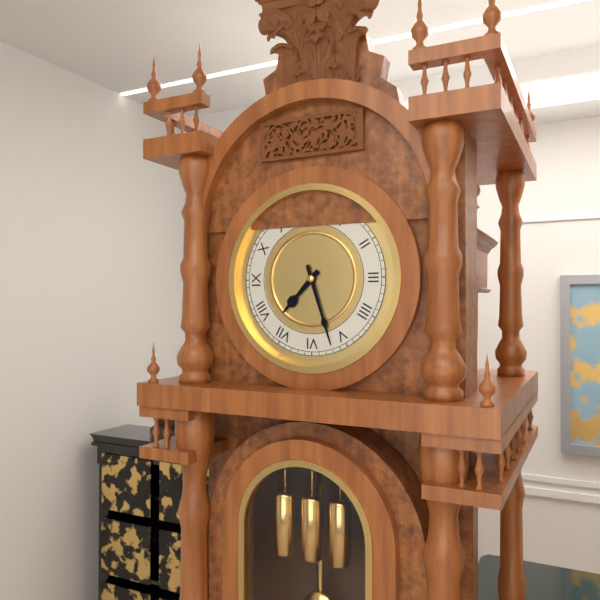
7:27
